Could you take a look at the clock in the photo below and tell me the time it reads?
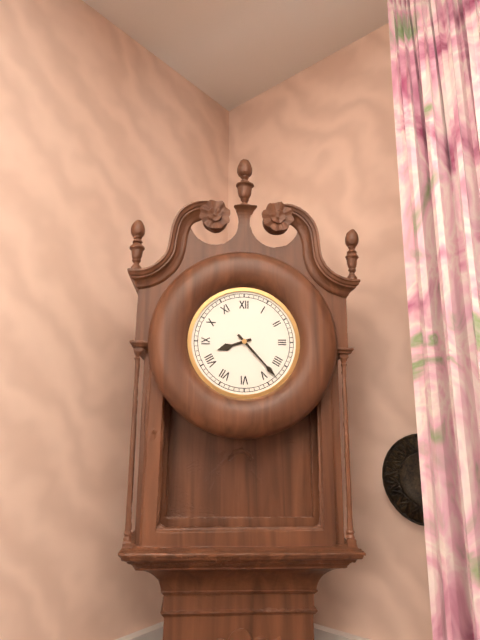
8:23
